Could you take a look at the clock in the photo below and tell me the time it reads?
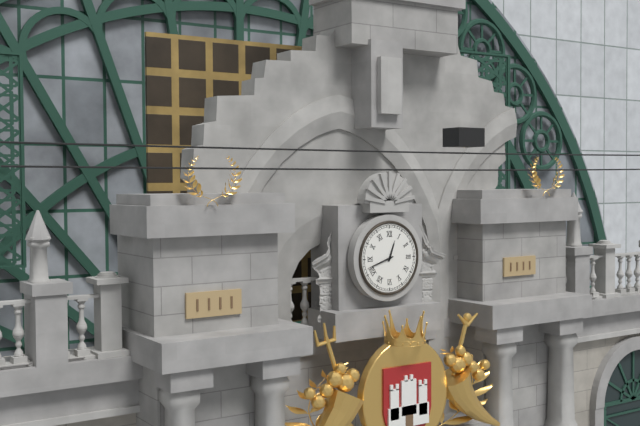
12:42
